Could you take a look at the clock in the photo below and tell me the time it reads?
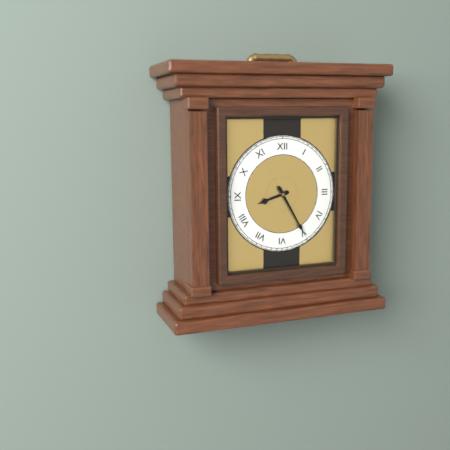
8:25
